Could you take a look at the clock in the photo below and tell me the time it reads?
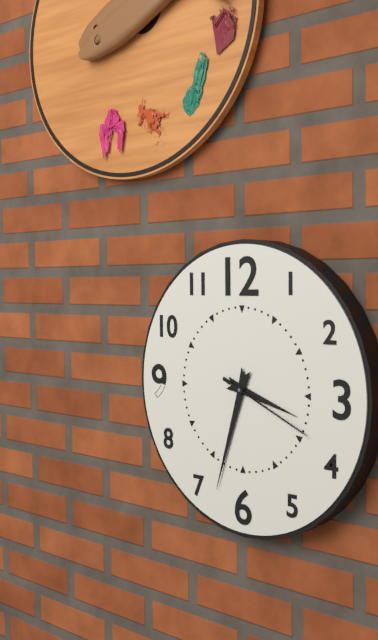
3:33:19
